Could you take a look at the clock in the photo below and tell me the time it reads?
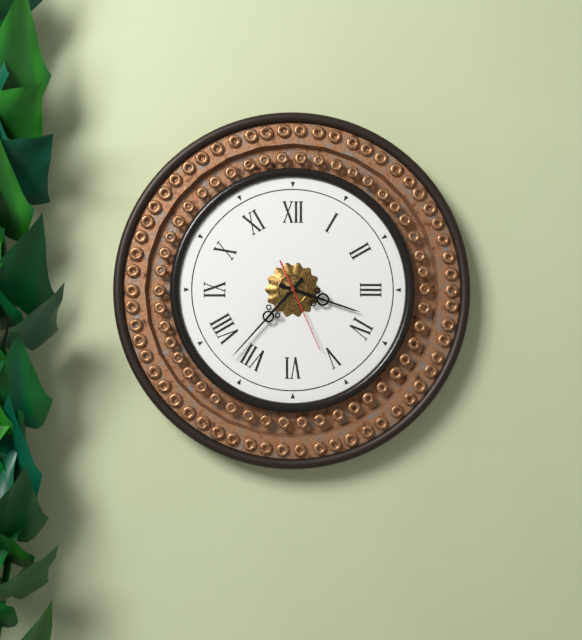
3:37:26
